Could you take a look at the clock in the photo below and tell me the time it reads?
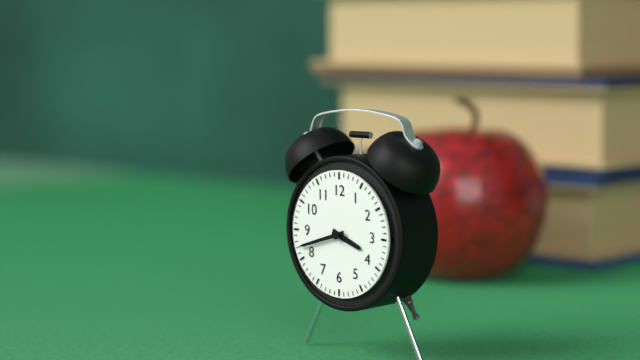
3:42
